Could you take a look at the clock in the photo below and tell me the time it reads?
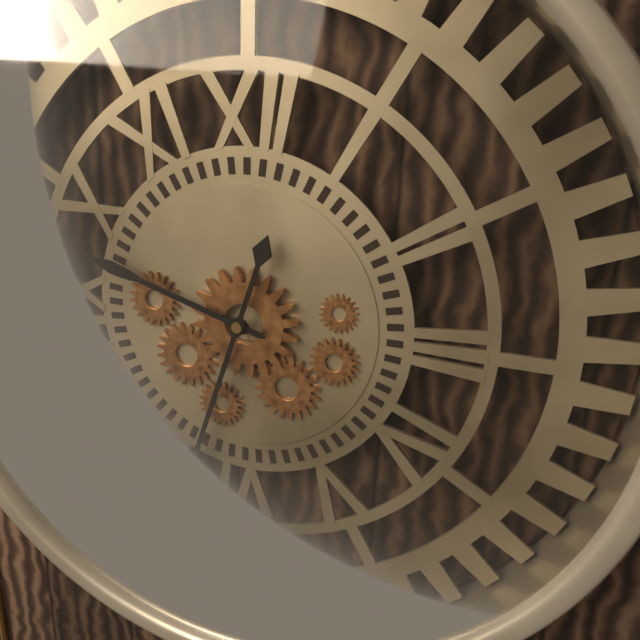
9:33
